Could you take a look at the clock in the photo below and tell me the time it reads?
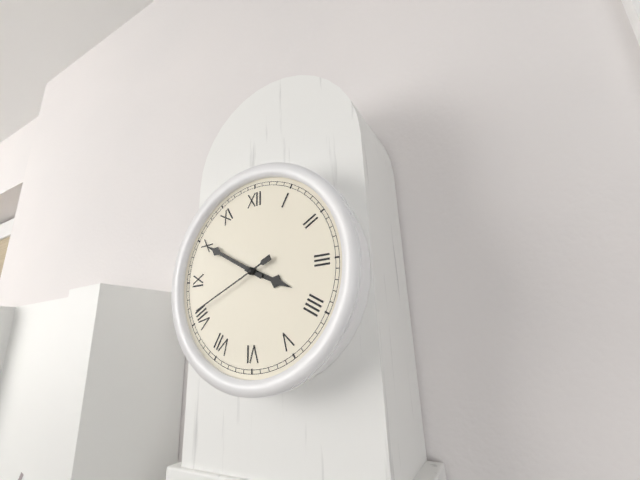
3:50:41
